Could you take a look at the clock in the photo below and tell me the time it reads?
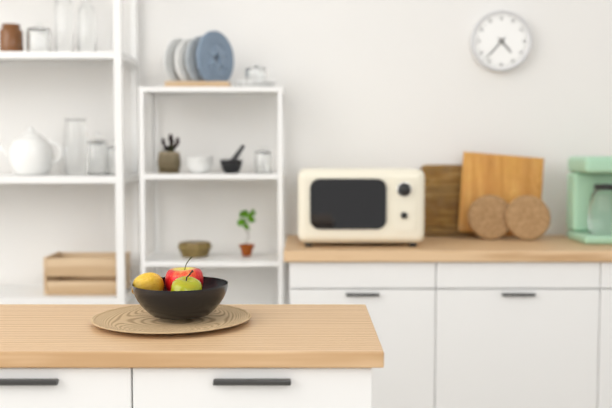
4:37
